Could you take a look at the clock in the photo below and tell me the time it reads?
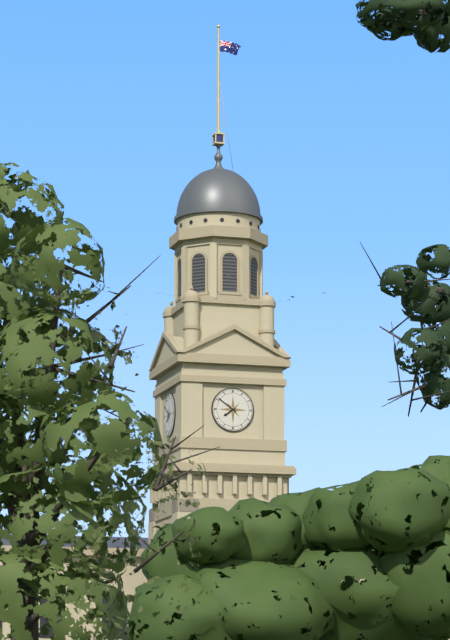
7:51
